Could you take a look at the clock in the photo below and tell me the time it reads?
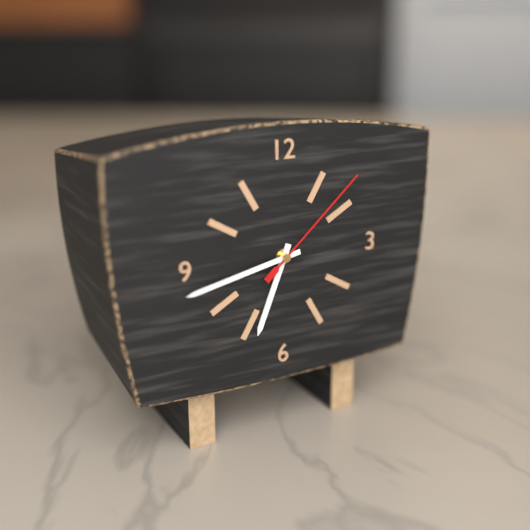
6:43:08
